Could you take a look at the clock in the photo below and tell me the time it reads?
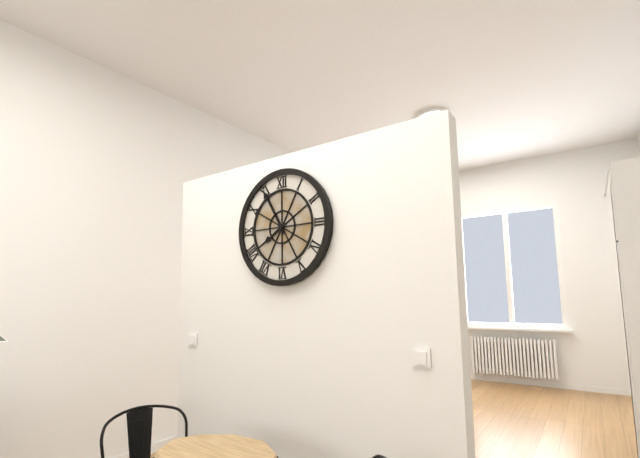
7:55
